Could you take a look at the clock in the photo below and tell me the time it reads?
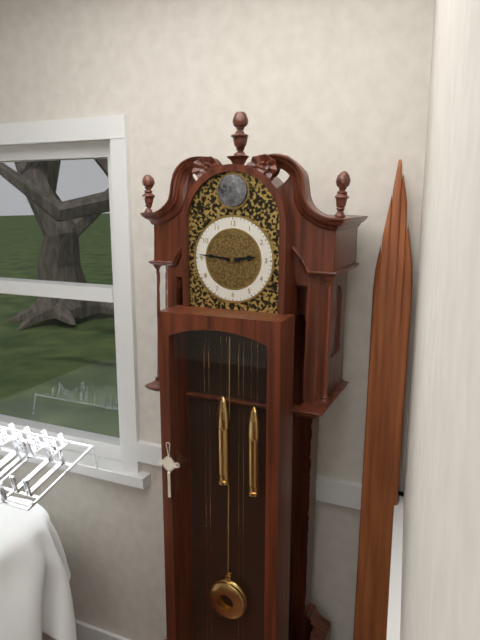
2:46
